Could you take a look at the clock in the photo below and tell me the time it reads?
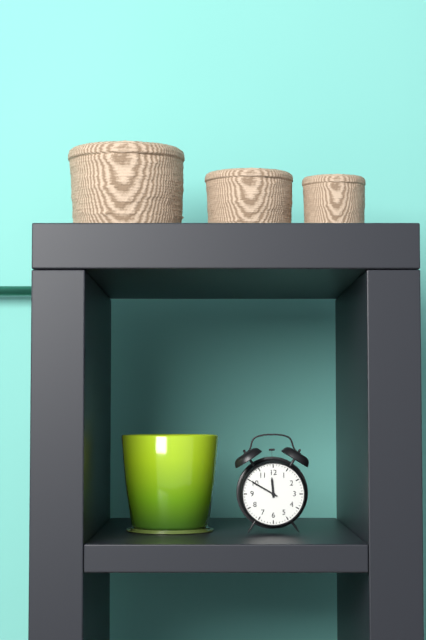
11:50
